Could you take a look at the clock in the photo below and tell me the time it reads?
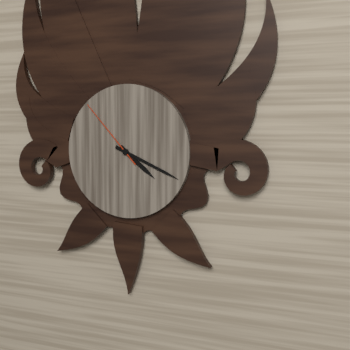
4:19:53
